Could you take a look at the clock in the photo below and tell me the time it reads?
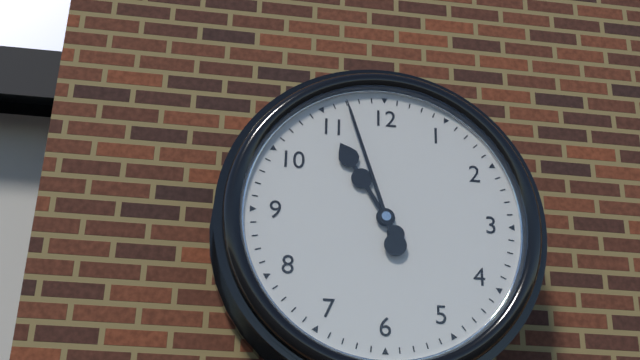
10:57
